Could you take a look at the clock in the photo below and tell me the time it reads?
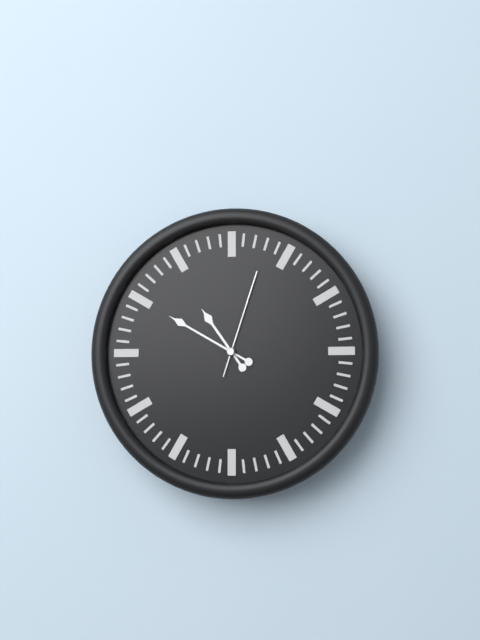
10:50:03
